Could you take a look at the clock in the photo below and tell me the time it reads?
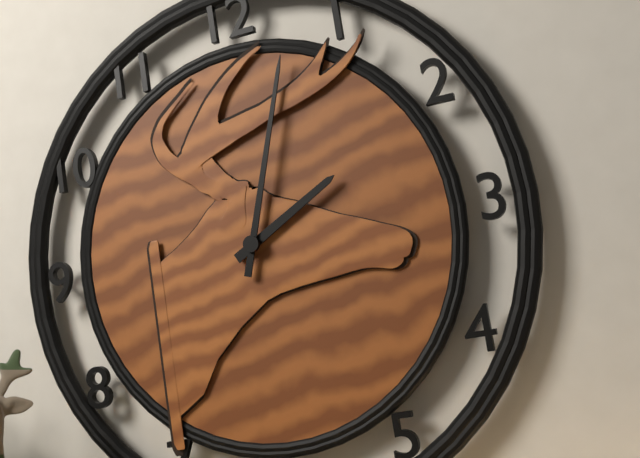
2:03
